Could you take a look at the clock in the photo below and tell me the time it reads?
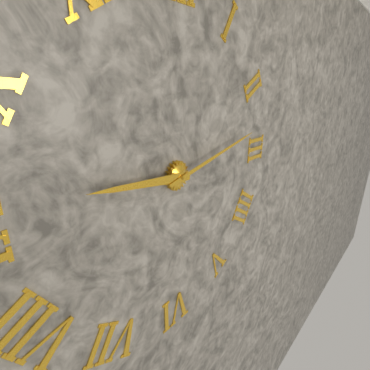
9:13
